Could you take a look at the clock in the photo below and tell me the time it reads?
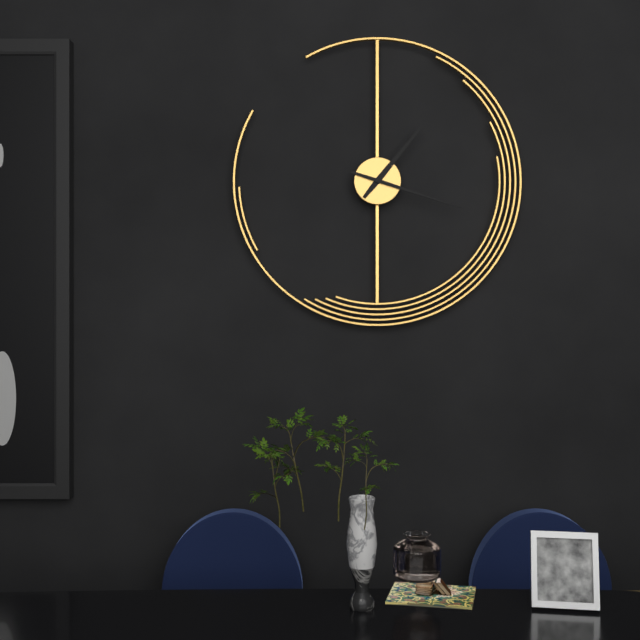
1:18
